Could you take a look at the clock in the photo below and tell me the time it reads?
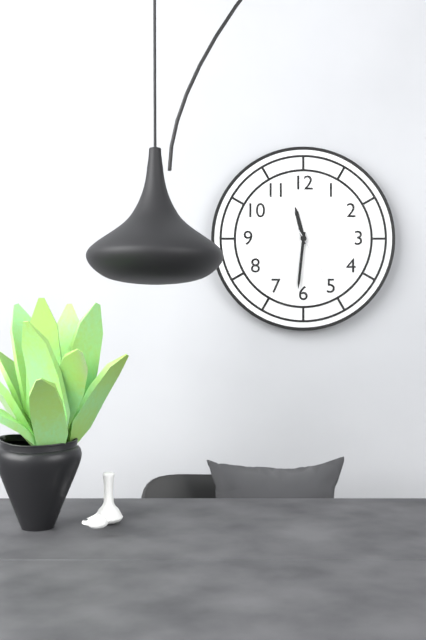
11:31:25
